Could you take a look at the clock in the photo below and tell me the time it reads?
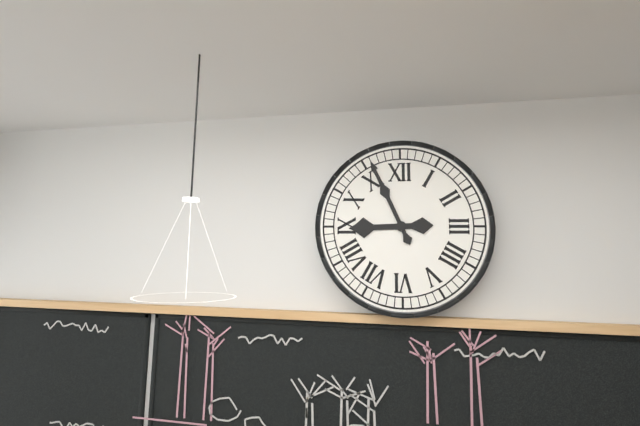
8:56
